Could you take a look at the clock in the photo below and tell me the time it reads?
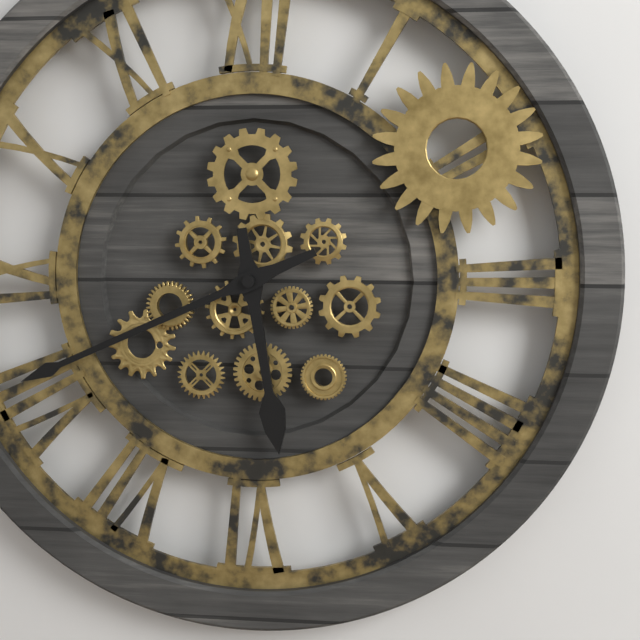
5:41
